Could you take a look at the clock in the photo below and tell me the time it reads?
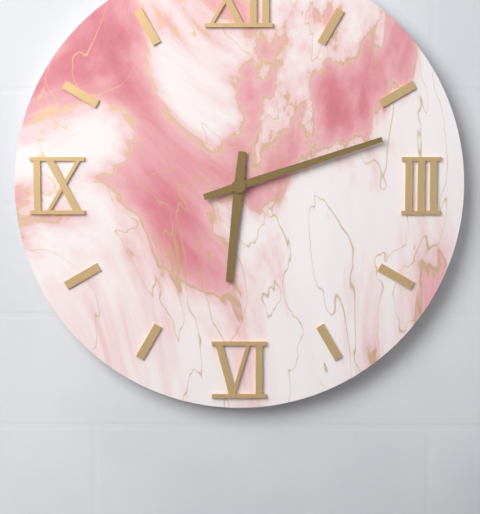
6:12
